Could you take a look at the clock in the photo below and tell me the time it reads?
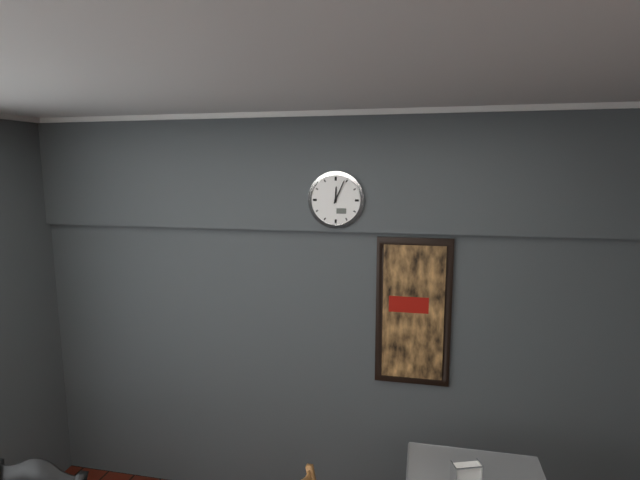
12:04
